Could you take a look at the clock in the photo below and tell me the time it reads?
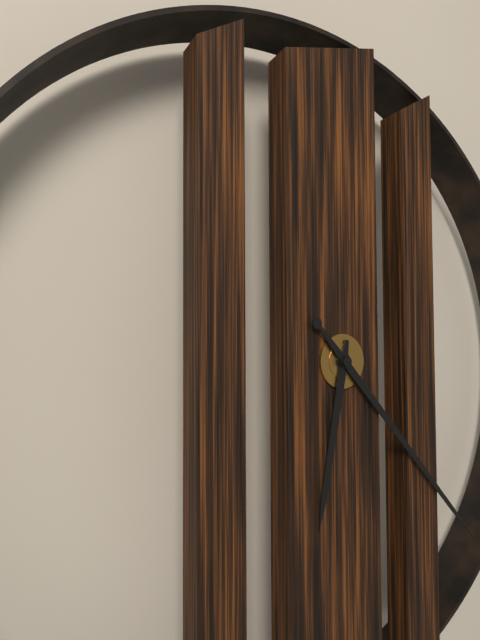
6:23
